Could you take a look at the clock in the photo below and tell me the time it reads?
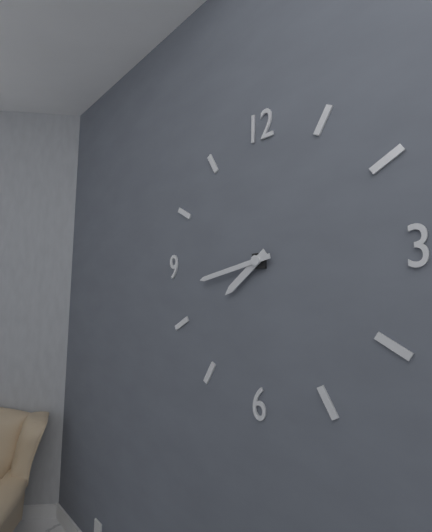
7:43
